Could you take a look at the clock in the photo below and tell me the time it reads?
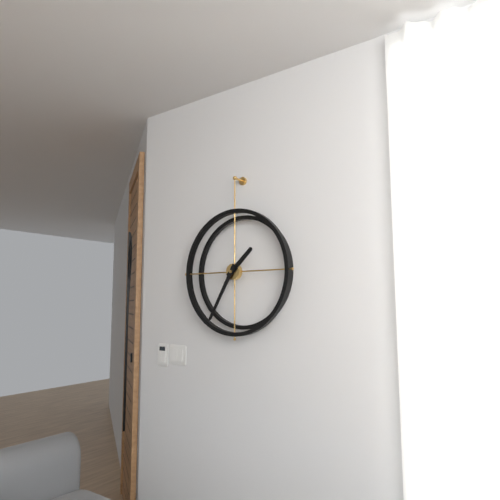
1:35
